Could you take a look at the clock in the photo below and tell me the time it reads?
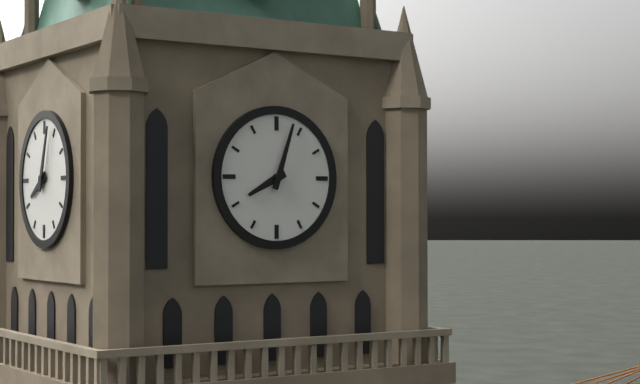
8:03
